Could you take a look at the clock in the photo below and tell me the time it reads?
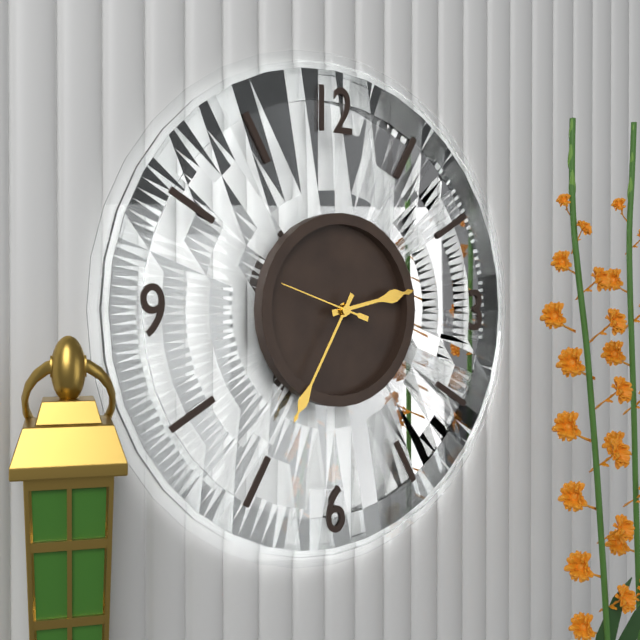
2:35:48
